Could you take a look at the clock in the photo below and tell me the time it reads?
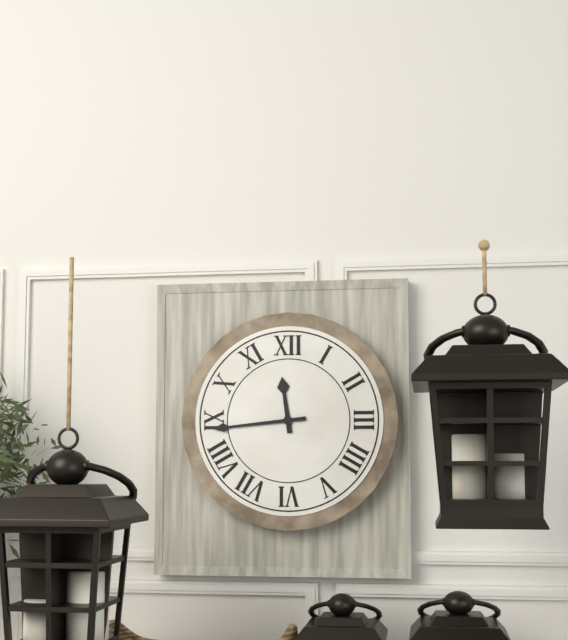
11:44
